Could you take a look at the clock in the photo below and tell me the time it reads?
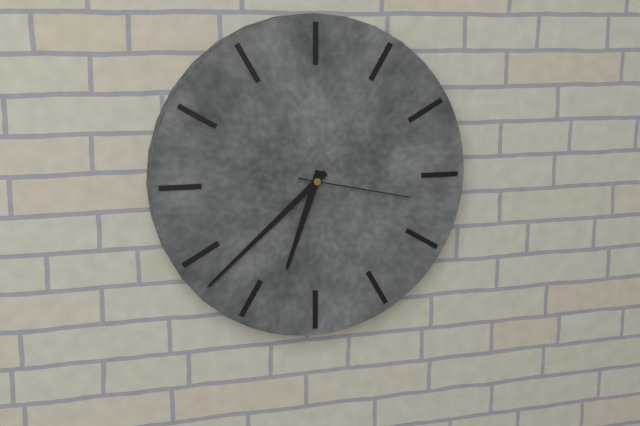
6:38:17
